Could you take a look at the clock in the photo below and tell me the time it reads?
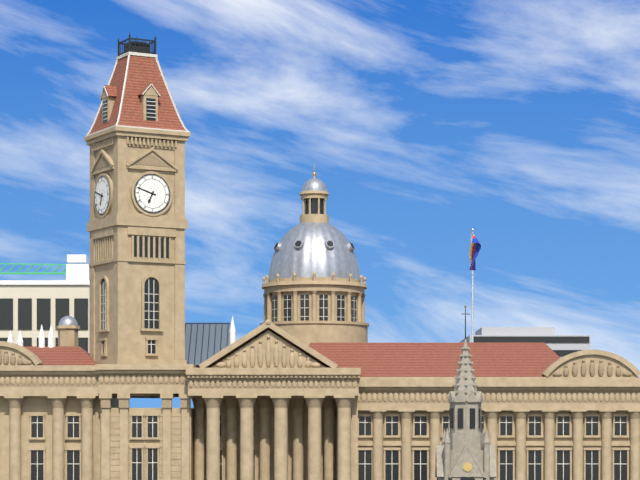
6:48
